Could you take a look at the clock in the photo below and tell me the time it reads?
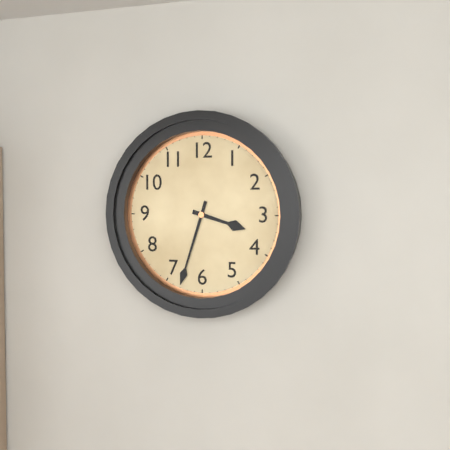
3:33
